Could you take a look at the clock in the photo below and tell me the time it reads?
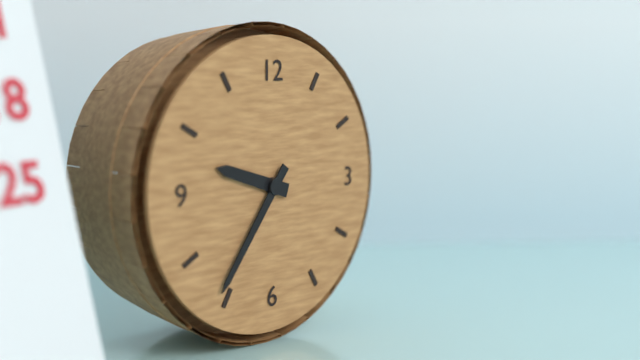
9:36
